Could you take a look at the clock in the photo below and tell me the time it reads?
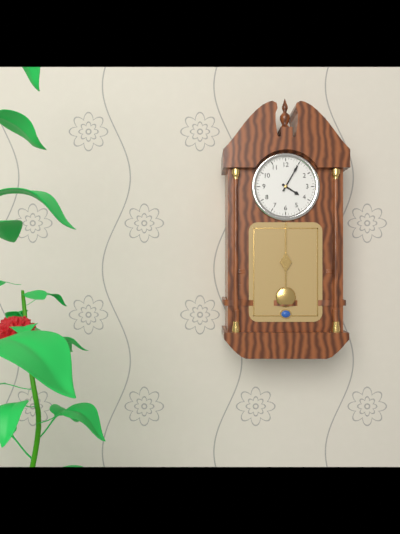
4:05
